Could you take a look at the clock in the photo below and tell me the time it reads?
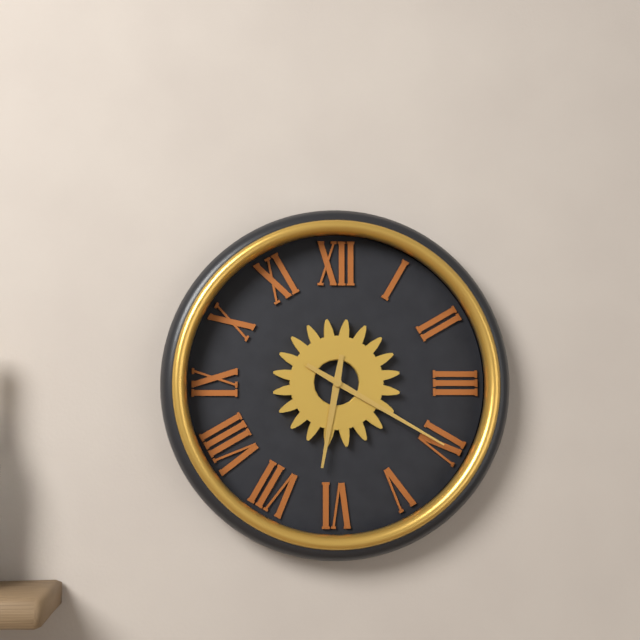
6:20
